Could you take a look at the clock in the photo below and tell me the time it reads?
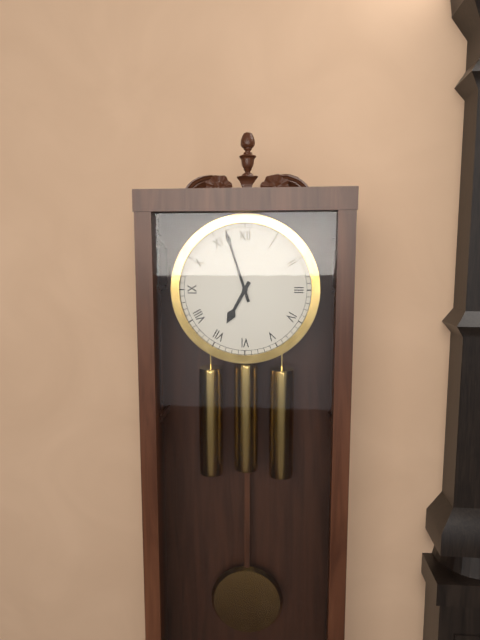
6:57
